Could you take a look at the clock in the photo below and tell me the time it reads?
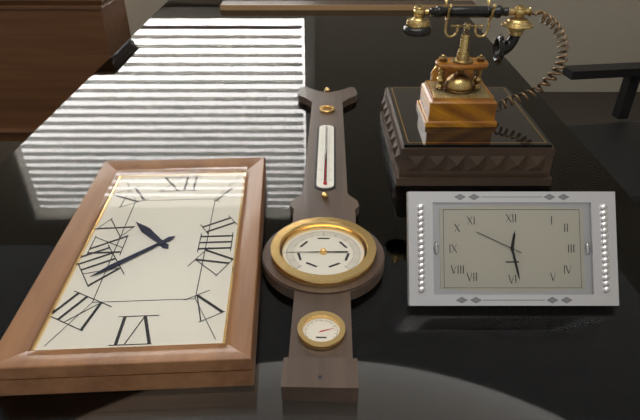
10:38
